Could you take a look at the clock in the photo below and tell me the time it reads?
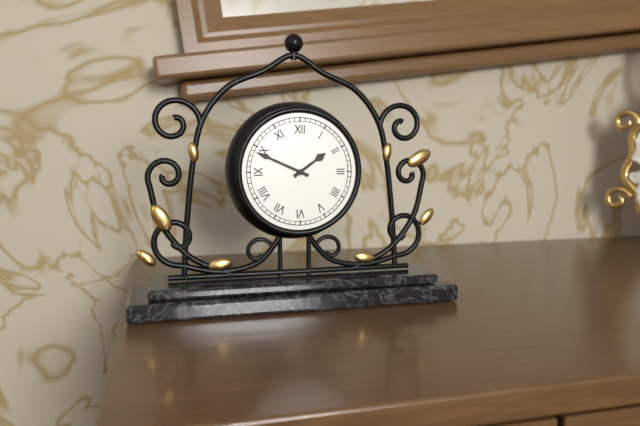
1:49
